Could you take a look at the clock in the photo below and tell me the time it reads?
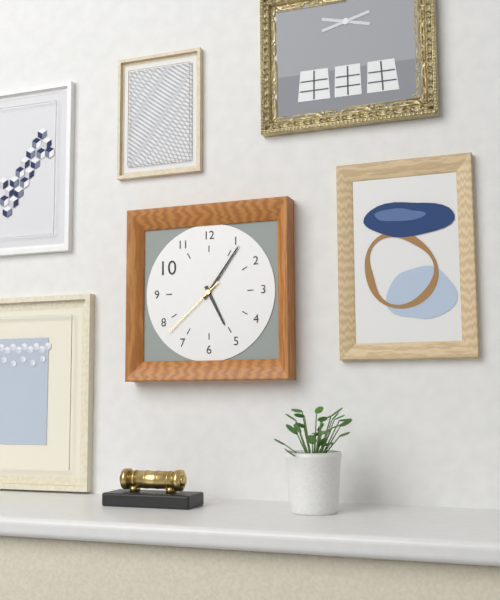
5:06:38
